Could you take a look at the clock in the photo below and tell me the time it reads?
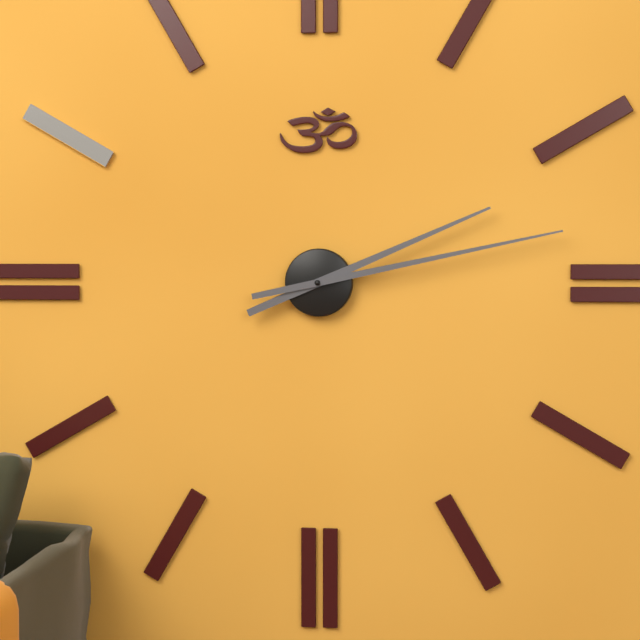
2:13
